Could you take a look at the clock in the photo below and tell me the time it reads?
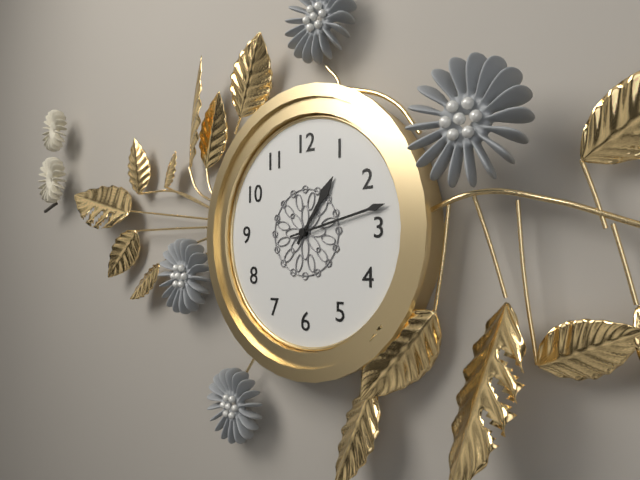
1:13
